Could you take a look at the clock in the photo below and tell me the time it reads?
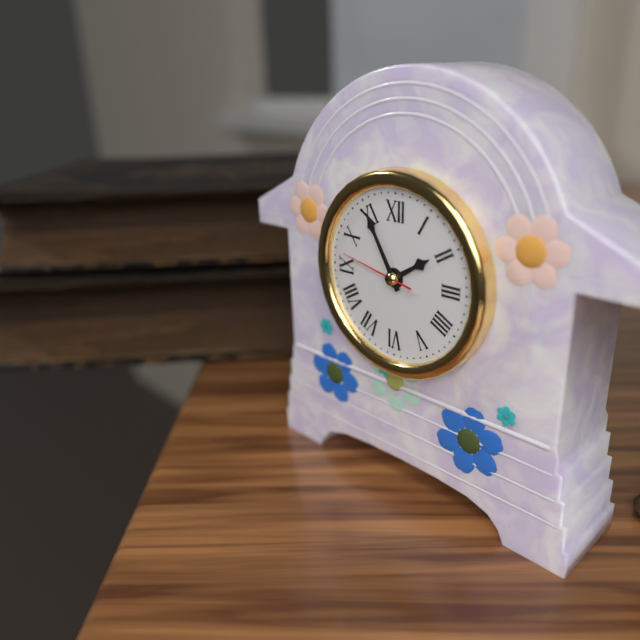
1:55:47
